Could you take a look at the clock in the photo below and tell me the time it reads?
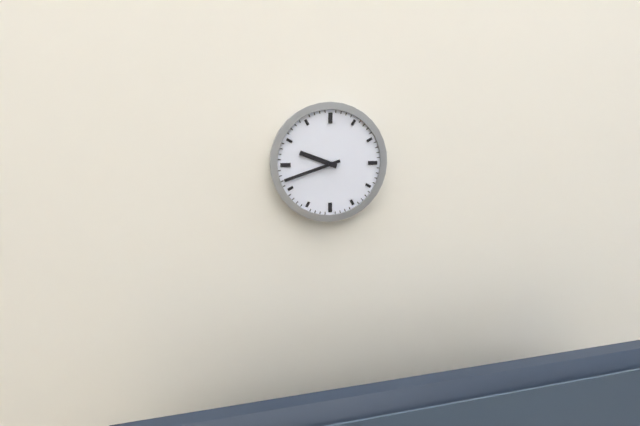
9:42
